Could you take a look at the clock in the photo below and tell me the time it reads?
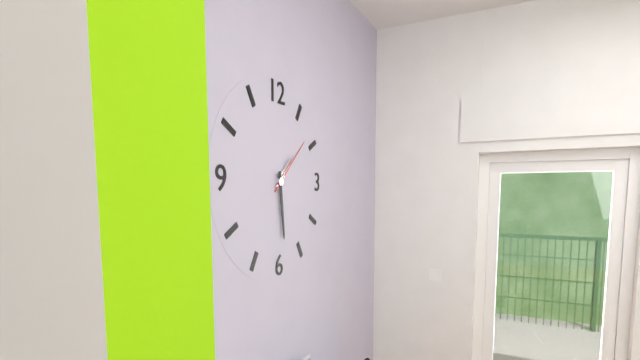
1:29:08
